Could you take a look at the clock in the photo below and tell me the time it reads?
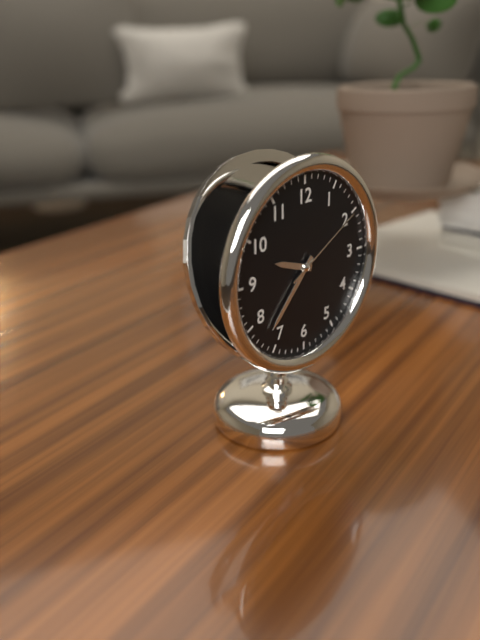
9:37:10
